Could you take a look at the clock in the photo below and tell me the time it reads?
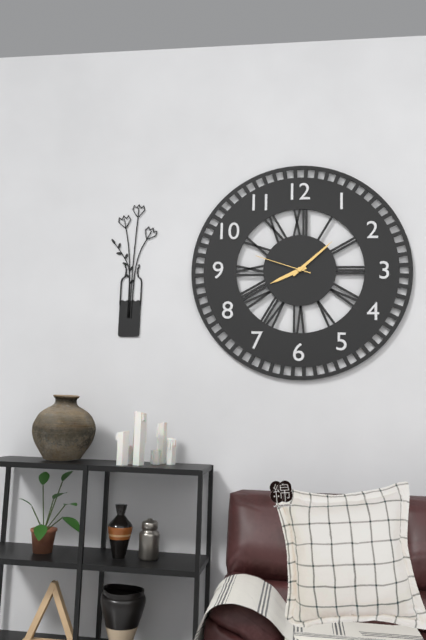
8:08:48
